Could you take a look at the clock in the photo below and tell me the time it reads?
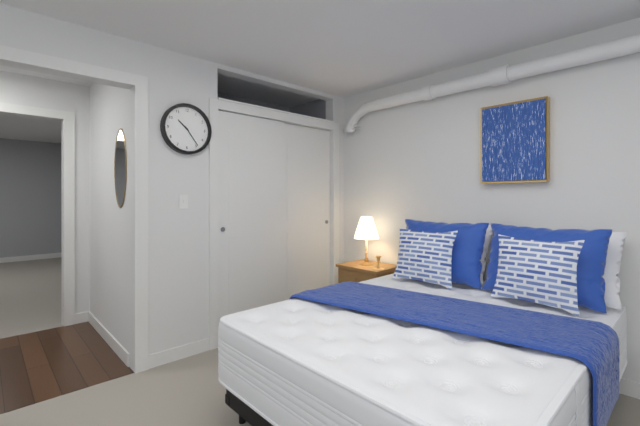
10:24
